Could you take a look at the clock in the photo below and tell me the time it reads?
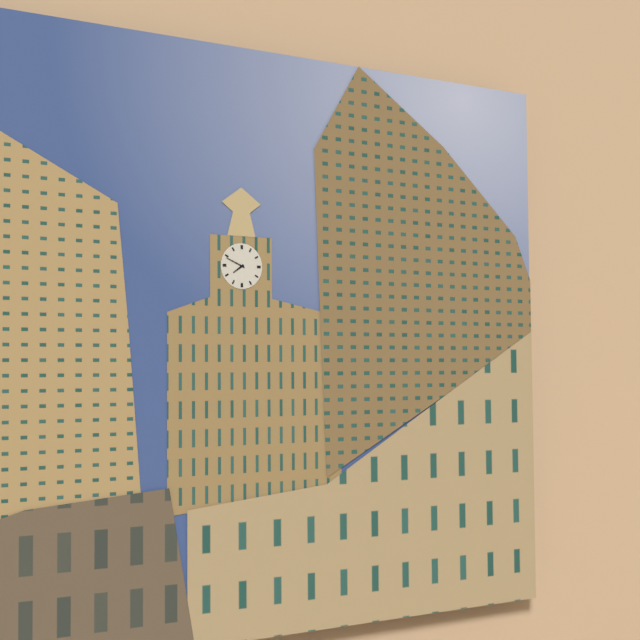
7:49
